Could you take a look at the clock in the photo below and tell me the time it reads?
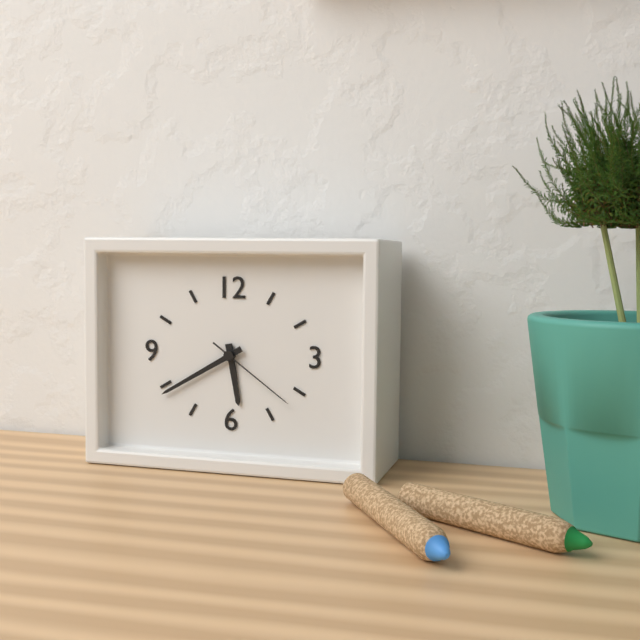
5:40:21
